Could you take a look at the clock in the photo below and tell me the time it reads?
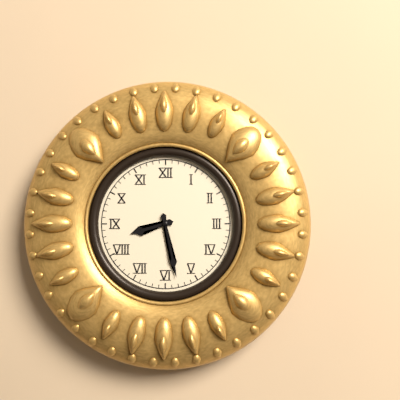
8:28
